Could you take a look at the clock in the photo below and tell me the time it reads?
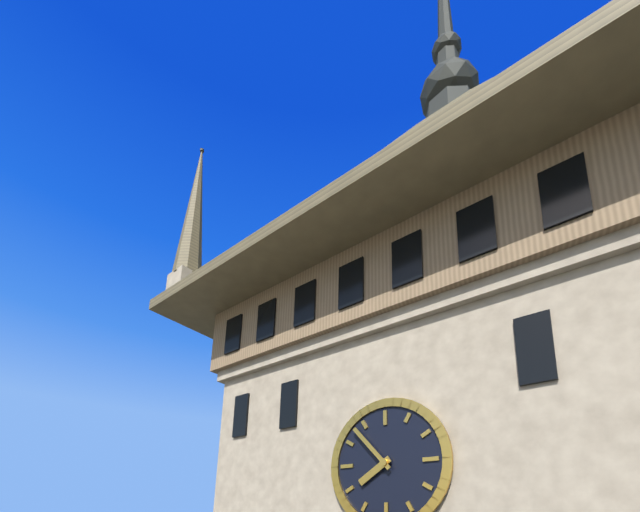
7:53
